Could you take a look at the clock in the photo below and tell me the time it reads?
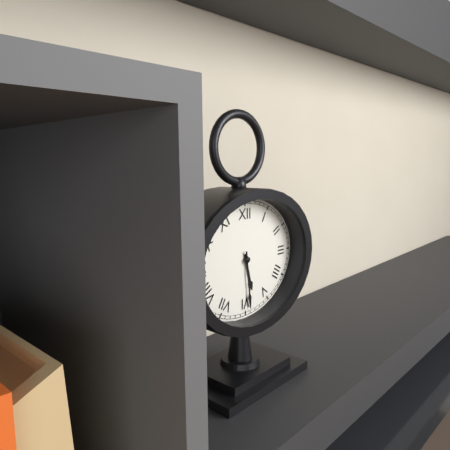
5:29
